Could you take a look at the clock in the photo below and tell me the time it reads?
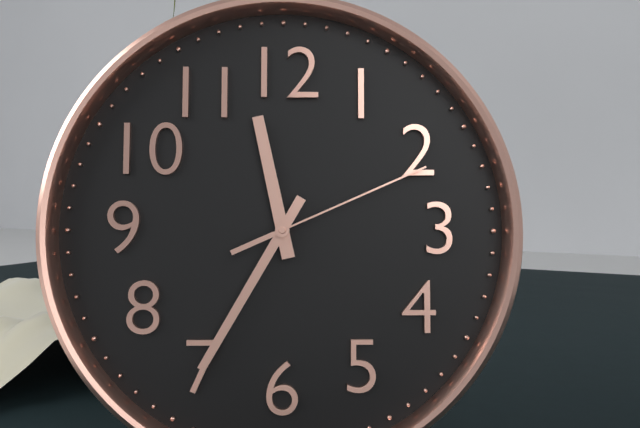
11:35:11
